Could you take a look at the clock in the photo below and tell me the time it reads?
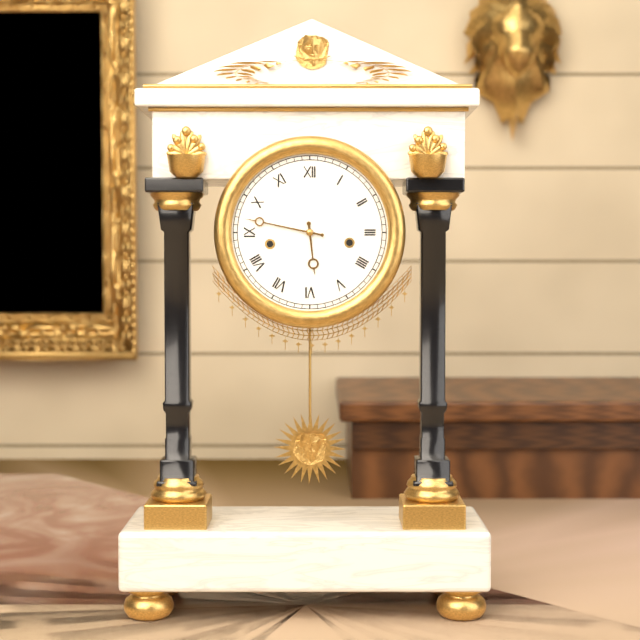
5:47
